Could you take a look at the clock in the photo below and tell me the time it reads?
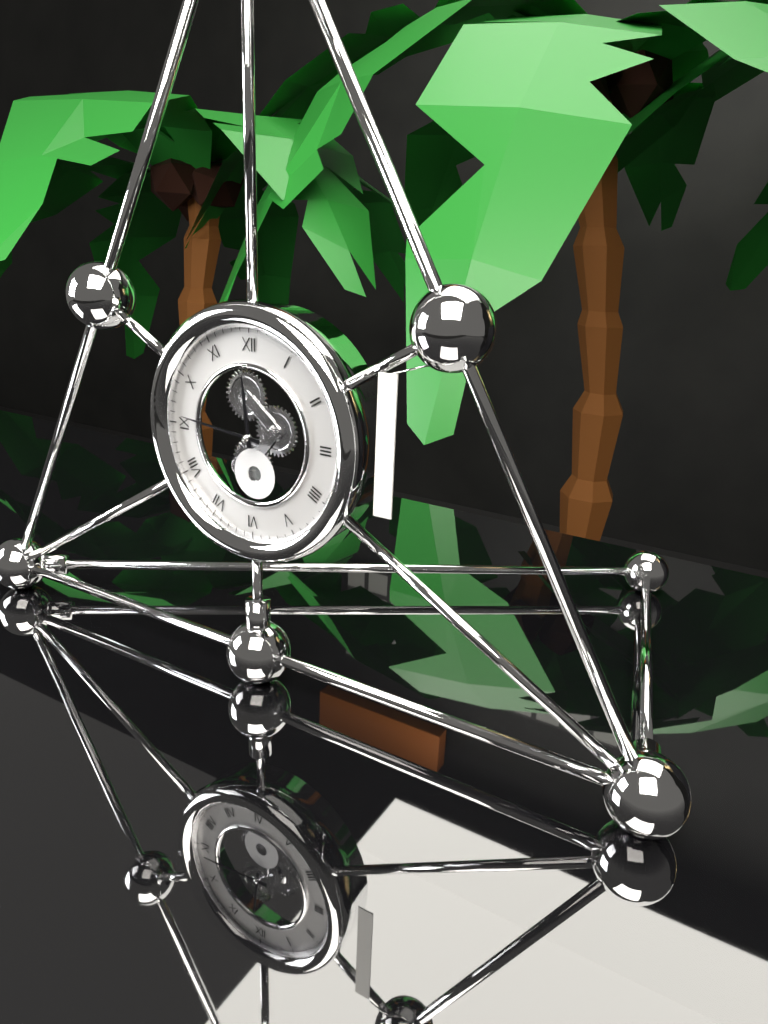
11:46
